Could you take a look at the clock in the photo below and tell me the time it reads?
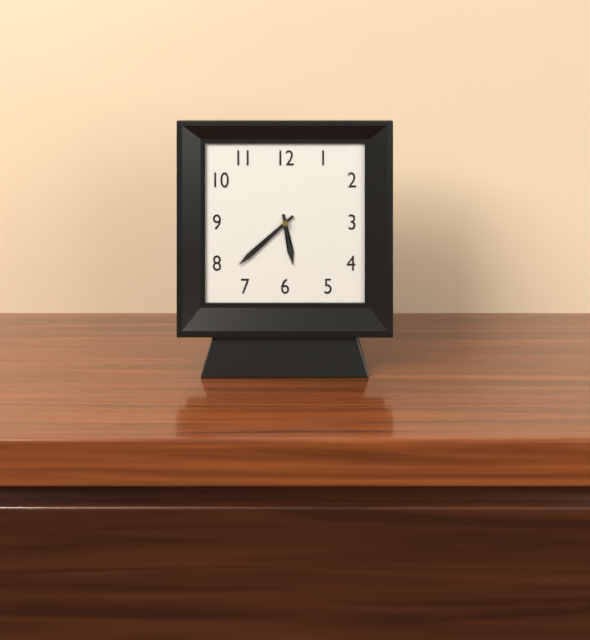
5:38
